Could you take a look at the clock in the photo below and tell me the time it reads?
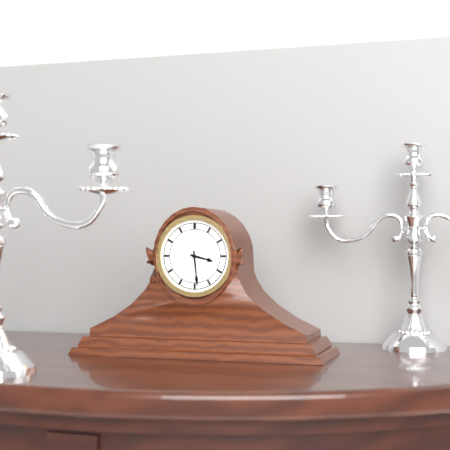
3:29
